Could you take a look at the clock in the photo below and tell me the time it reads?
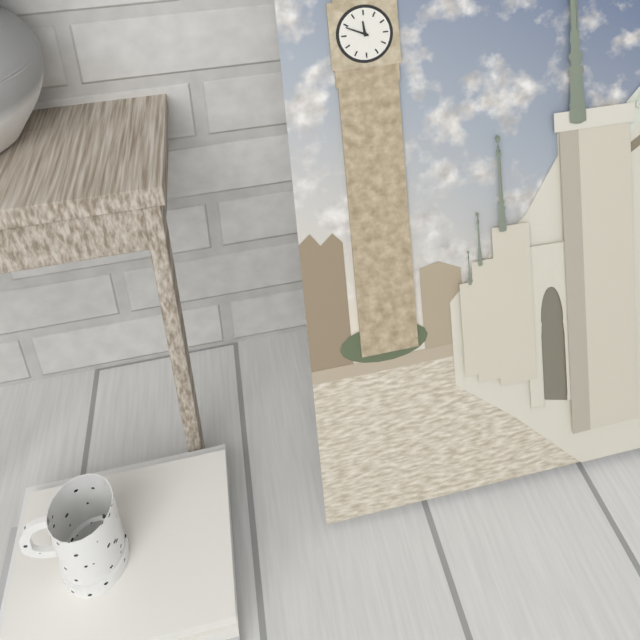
11:49
